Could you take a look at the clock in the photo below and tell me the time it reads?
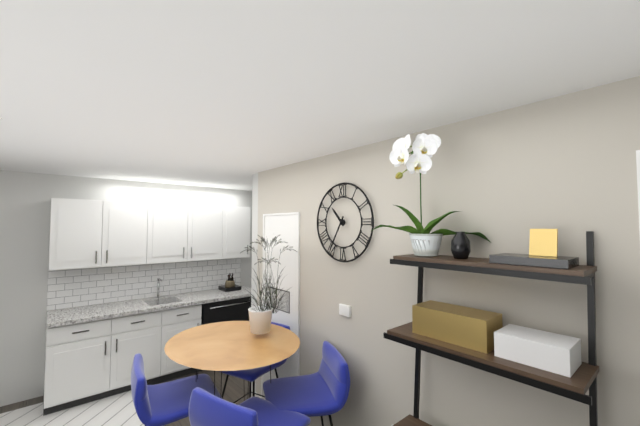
10:35
